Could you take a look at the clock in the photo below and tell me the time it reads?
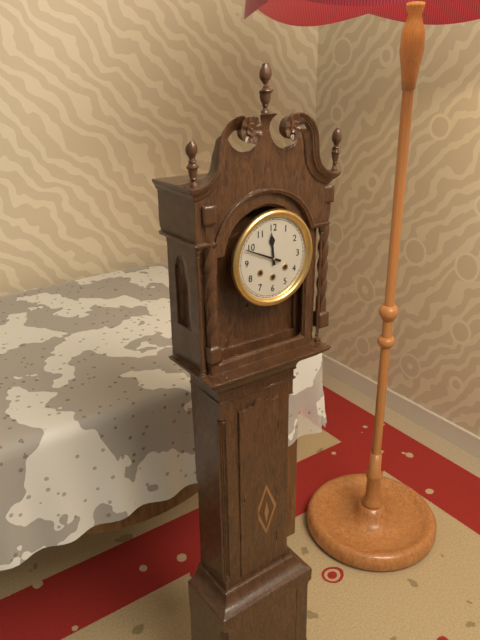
11:49
